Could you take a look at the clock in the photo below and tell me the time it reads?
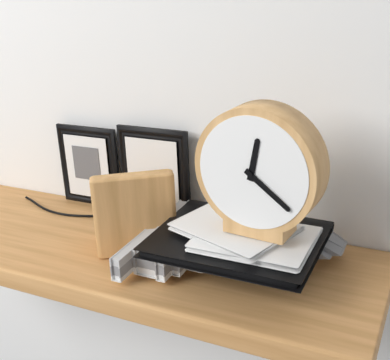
12:21
